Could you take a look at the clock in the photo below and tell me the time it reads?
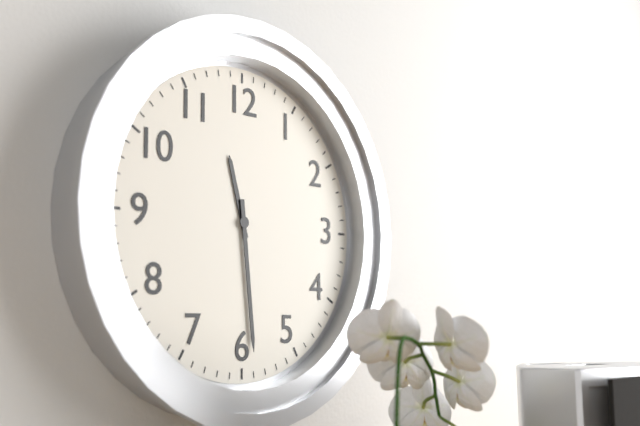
11:29
